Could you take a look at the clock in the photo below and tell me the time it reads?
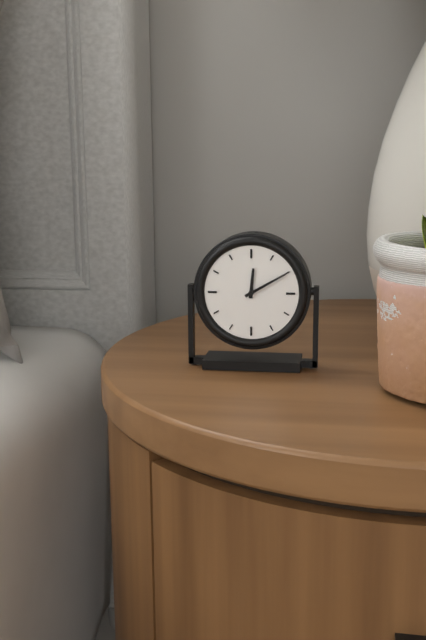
12:10
